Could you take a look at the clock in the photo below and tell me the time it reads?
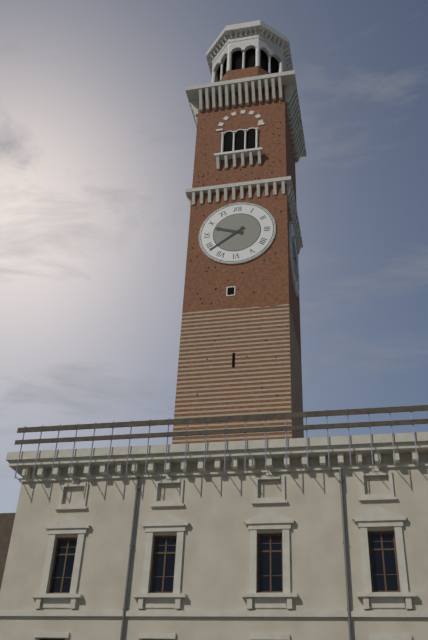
9:39
